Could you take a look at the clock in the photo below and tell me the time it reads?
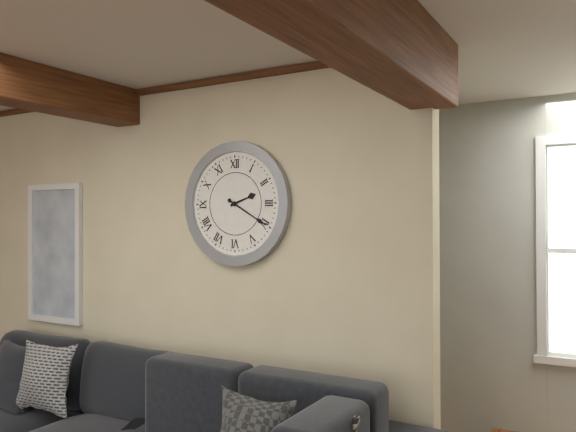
2:20
